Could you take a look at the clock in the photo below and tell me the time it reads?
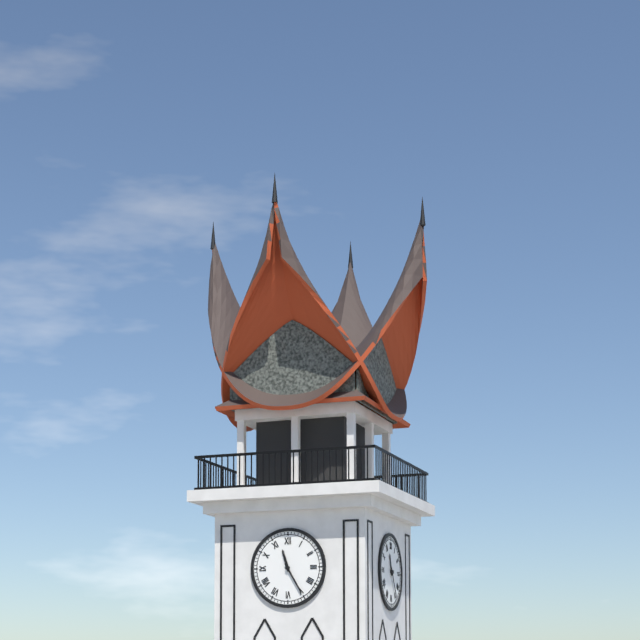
11:25
